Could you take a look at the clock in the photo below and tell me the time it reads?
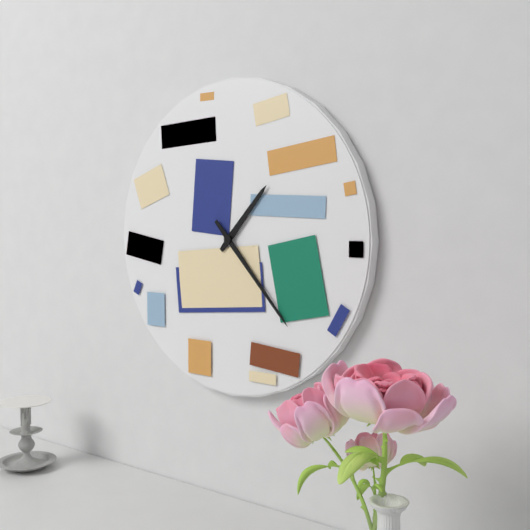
1:23
